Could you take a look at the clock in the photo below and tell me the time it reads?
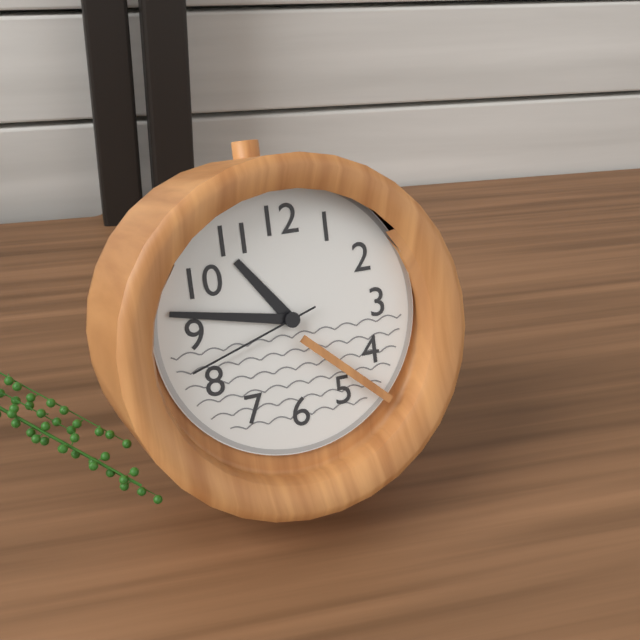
10:47:42
